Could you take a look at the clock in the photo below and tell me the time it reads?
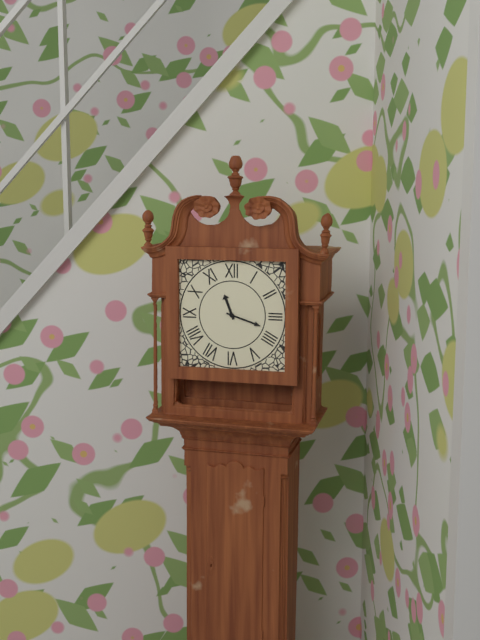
11:18
